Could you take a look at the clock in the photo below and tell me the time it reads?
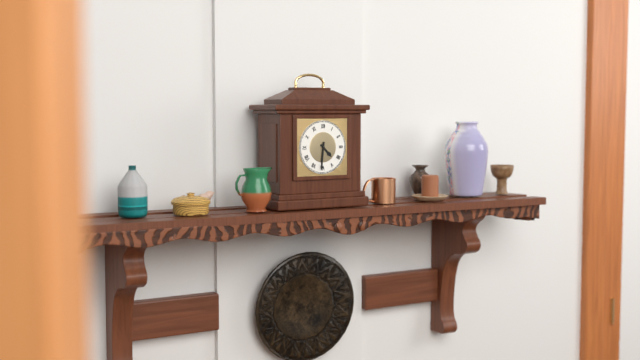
4:31
